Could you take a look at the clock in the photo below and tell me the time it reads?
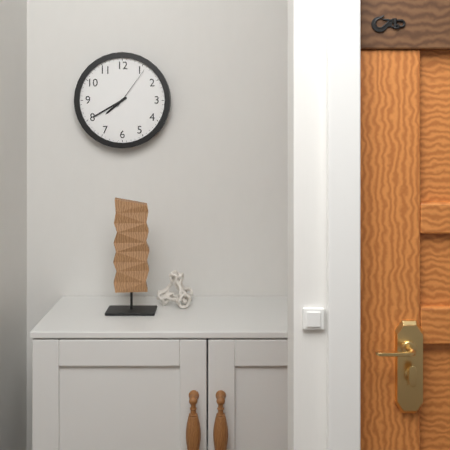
7:40
